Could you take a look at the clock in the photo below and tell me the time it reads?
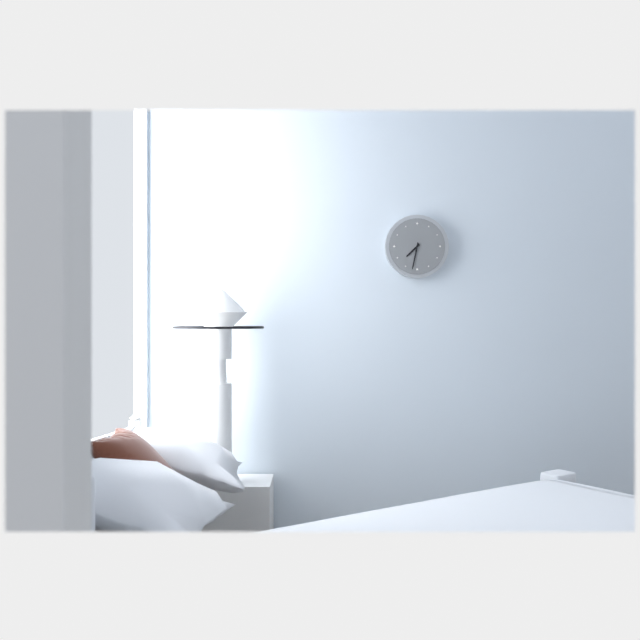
7:32
